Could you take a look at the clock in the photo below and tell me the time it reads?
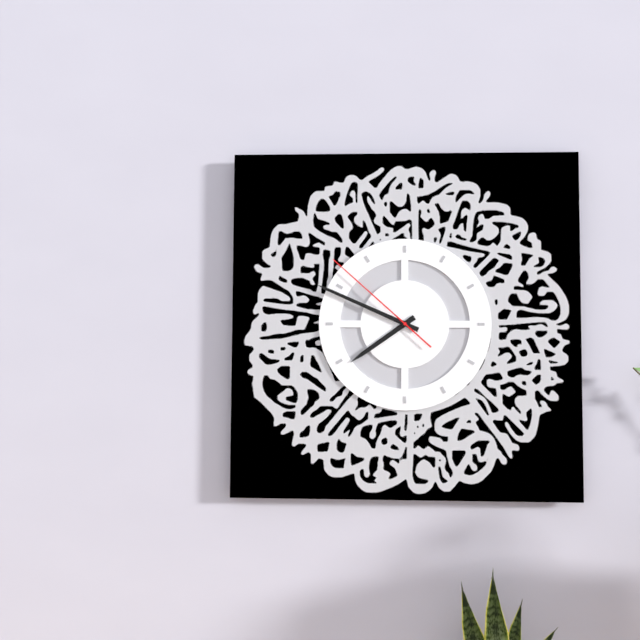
7:49:52
